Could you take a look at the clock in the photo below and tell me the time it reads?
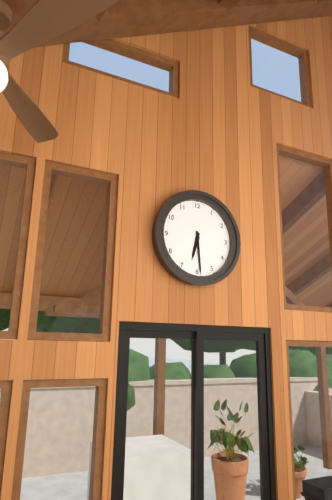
6:29
